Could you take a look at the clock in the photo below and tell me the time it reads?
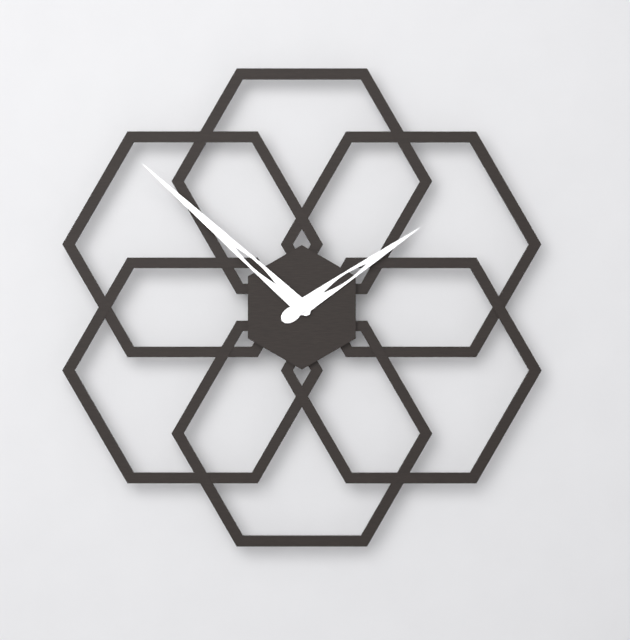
1:52
